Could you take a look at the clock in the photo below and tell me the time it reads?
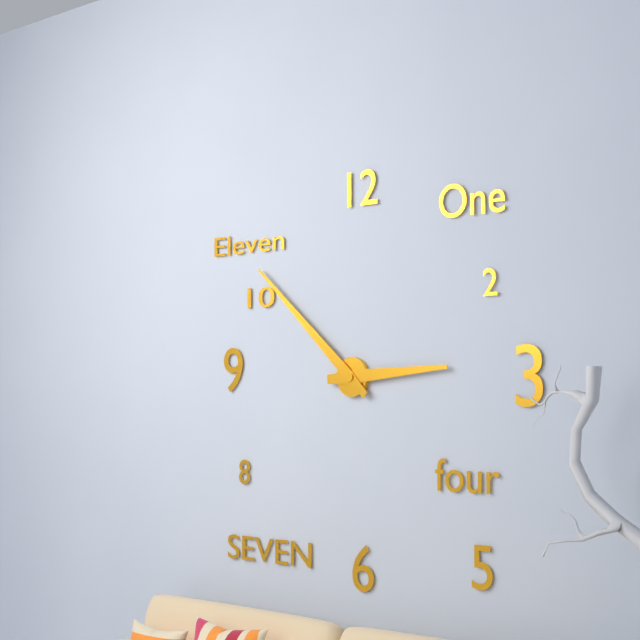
2:52
